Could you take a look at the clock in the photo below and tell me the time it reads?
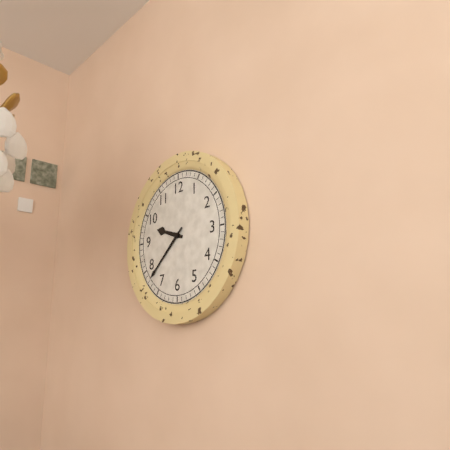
9:38
